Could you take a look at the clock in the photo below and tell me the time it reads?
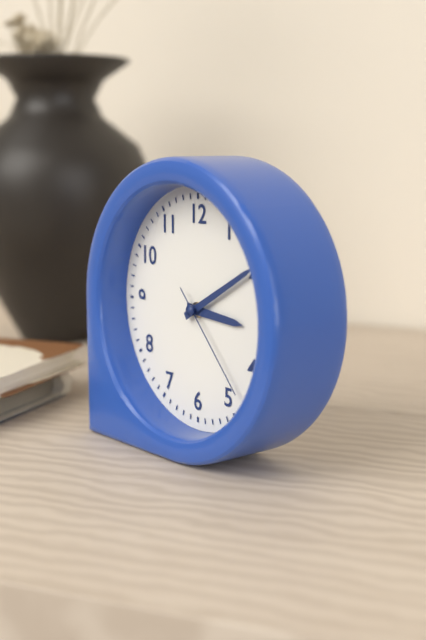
3:10:23
